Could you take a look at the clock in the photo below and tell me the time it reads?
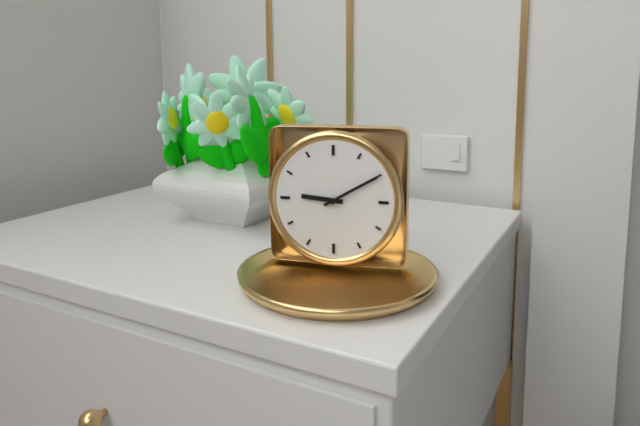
9:10
